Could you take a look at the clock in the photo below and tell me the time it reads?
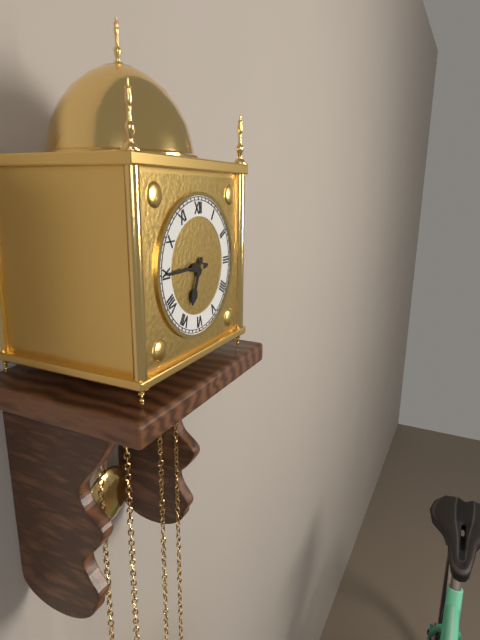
6:45
